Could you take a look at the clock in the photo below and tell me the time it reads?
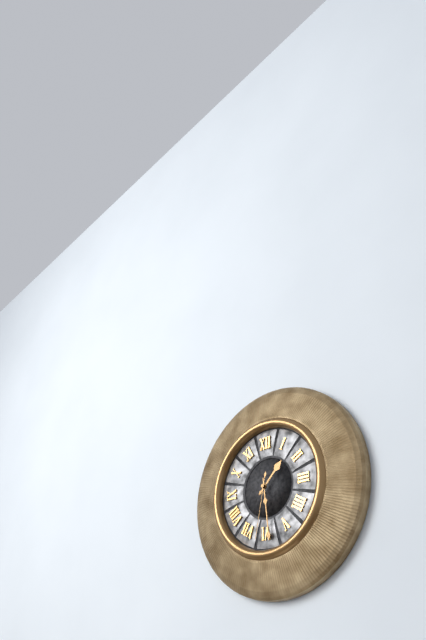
1:29:32
